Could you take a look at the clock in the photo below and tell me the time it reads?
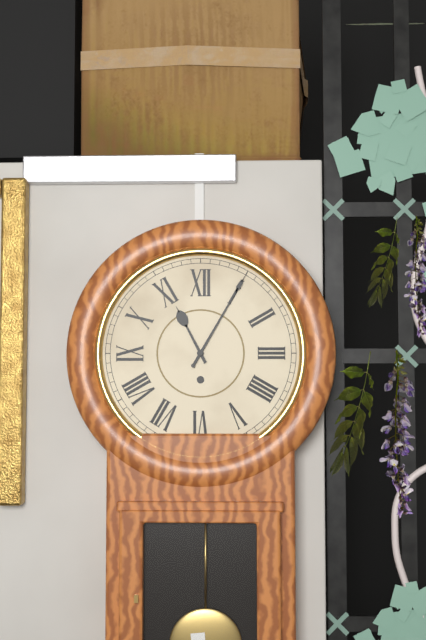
11:05
